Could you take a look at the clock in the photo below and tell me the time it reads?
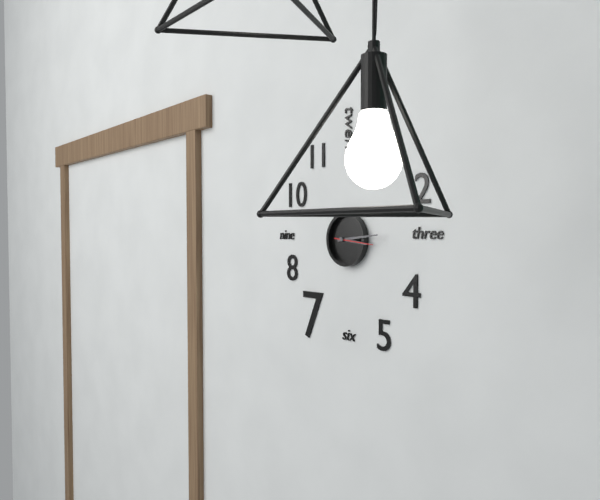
3:14
